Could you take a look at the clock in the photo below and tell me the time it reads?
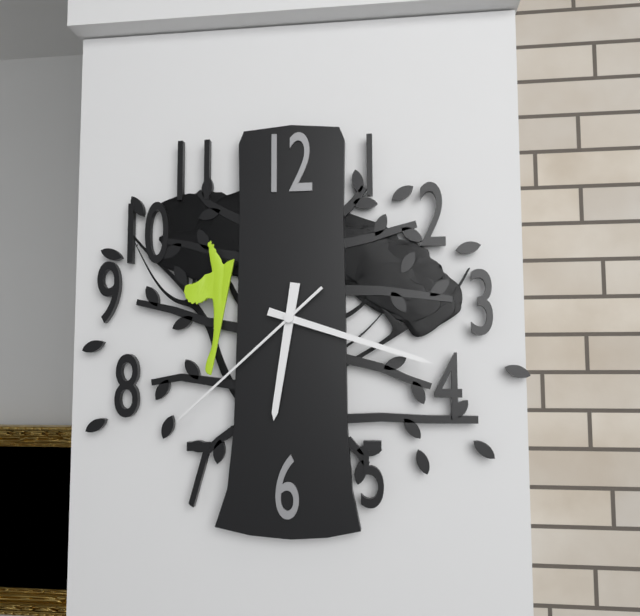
6:18:38
